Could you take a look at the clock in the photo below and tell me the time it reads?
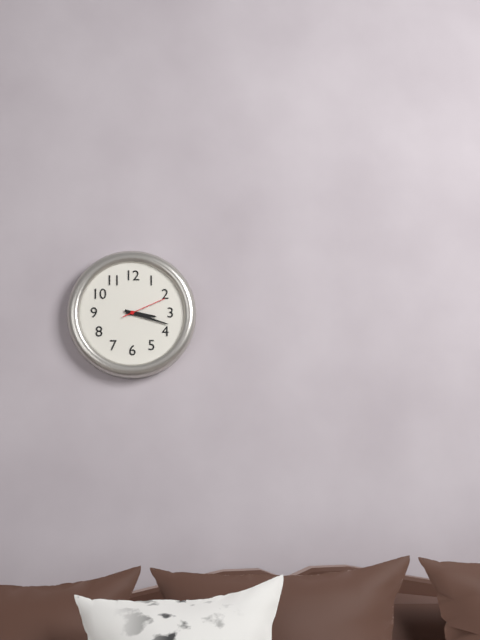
3:18
